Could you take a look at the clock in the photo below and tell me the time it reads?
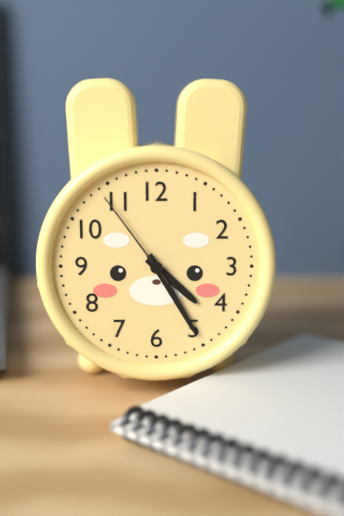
4:25:54
